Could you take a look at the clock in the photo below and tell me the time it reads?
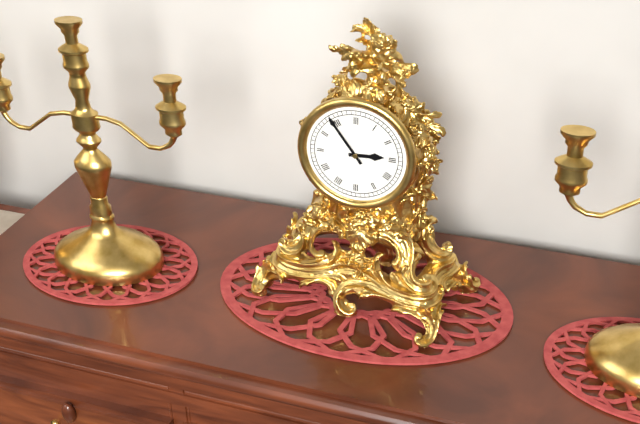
2:54
